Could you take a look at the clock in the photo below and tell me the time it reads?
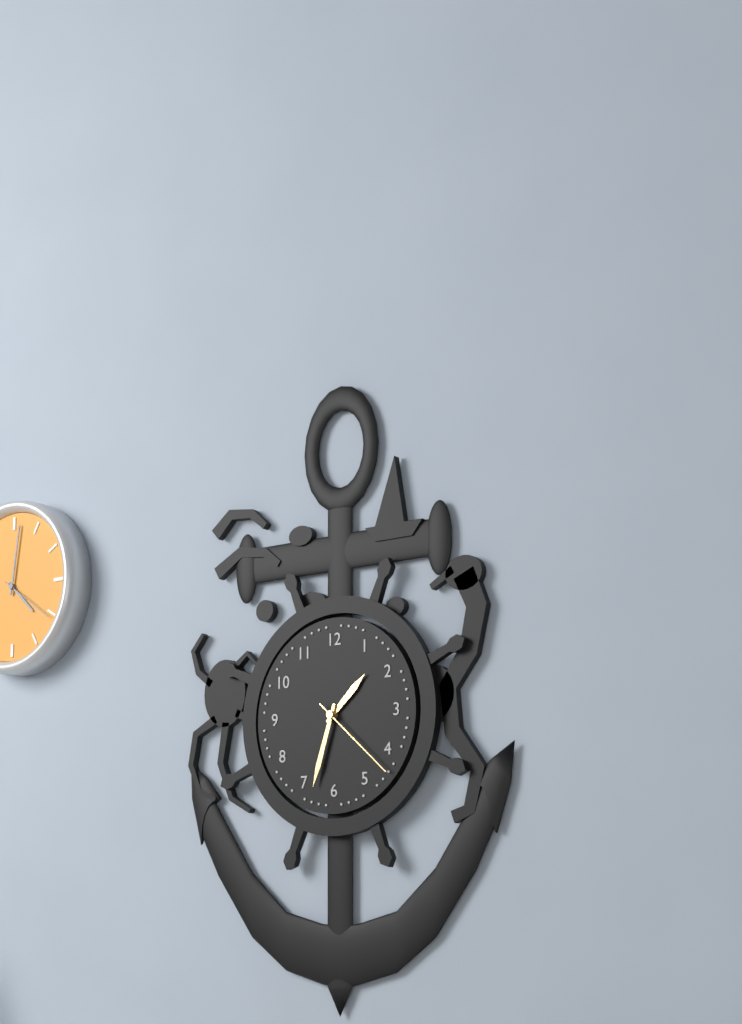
1:33:22
